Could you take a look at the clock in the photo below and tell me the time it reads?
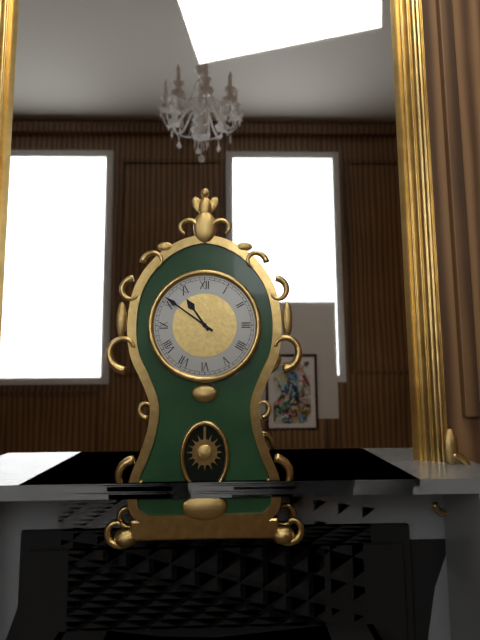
10:51
